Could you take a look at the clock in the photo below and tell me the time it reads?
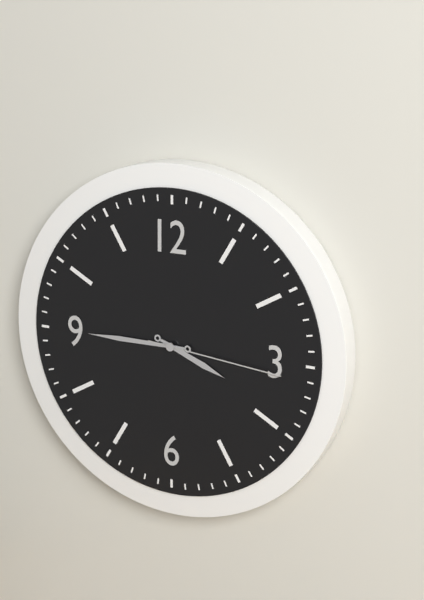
3:45:16
